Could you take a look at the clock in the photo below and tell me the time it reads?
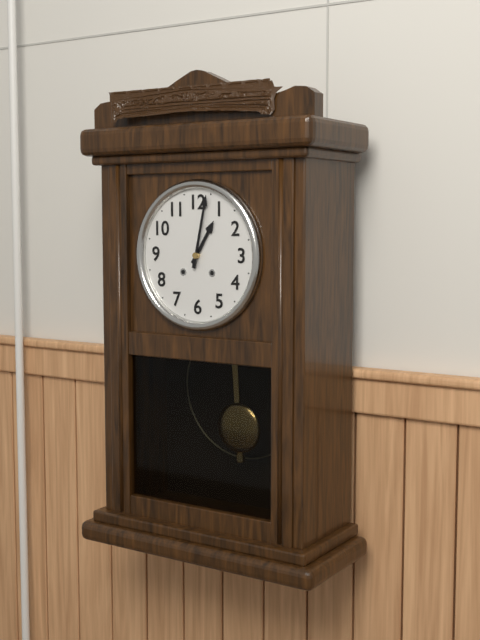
1:02
